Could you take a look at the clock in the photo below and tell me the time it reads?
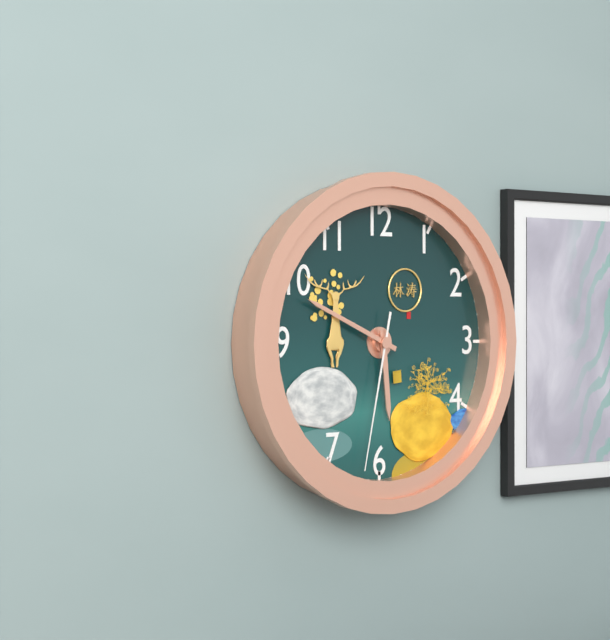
5:49:32
